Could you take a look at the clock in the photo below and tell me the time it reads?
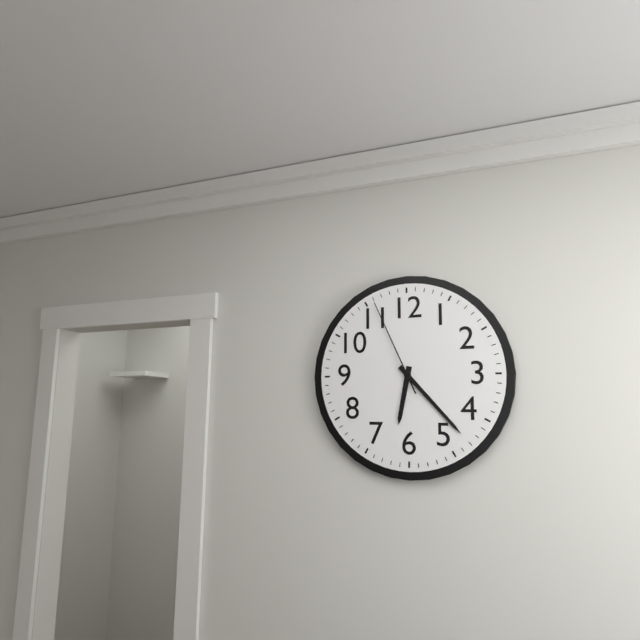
6:23:56
